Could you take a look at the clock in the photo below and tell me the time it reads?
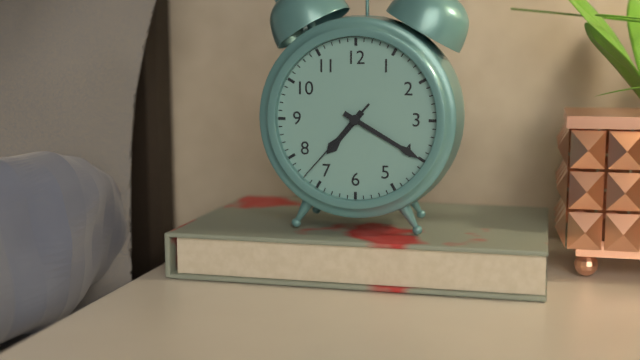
7:20:37
